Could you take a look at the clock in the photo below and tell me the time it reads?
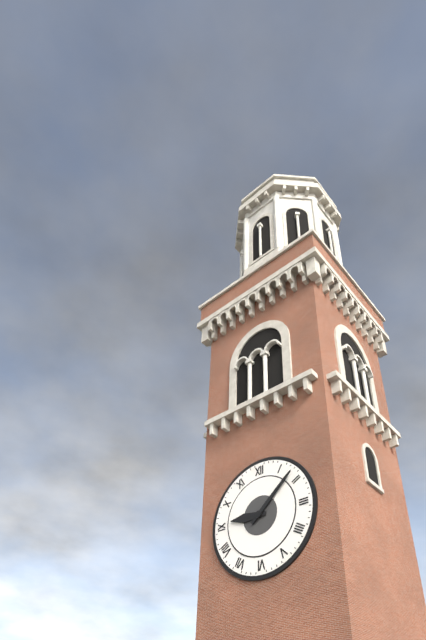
9:08
